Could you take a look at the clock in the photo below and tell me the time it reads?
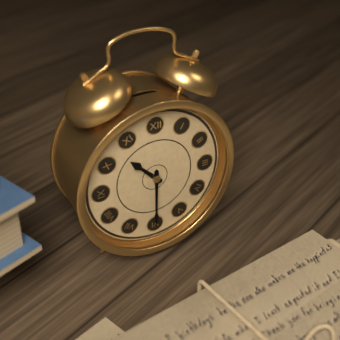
10:30
